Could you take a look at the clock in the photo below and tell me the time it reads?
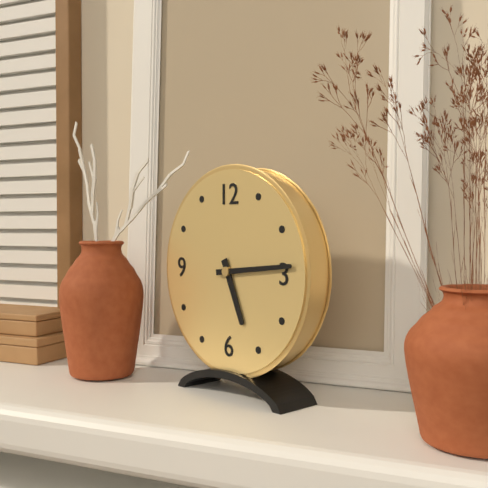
5:14
